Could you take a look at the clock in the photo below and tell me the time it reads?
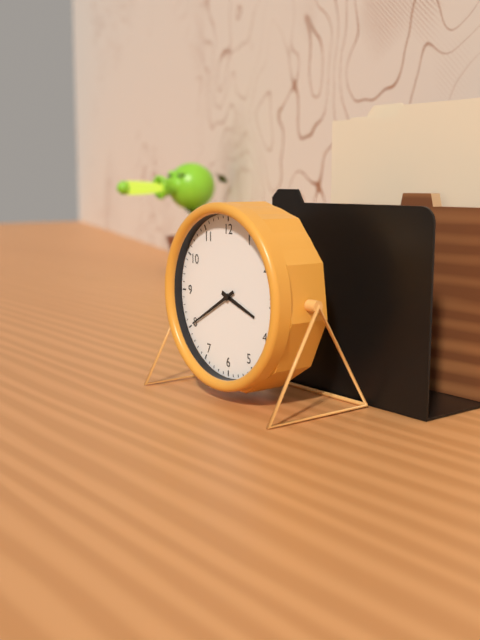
3:40
